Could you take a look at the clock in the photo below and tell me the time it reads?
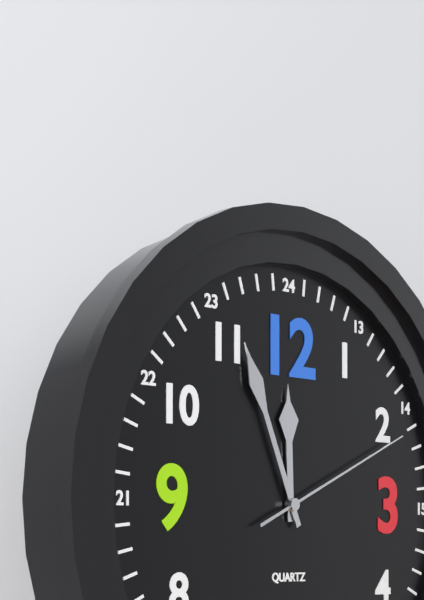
11:56:11
